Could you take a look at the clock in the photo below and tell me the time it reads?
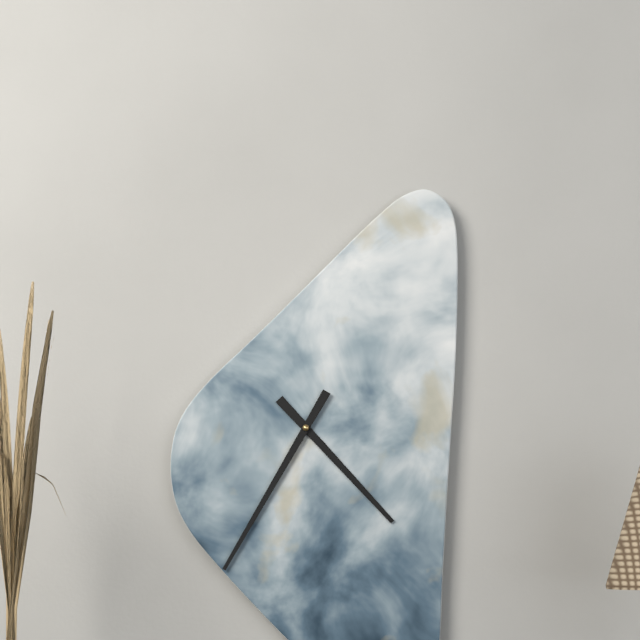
4:35
